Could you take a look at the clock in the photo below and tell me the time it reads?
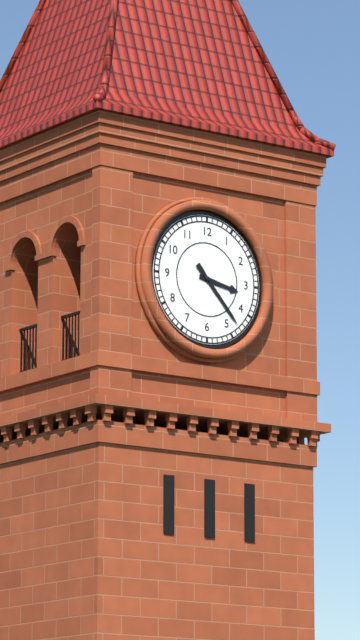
3:23
